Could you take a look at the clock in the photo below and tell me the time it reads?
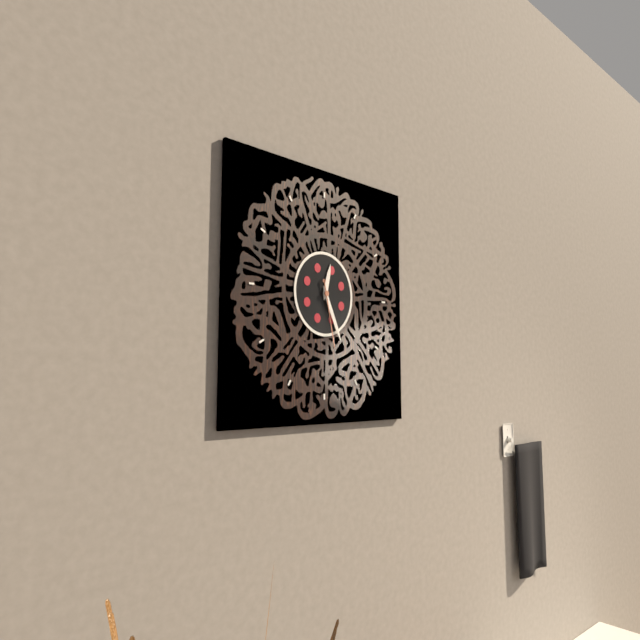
12:26:28
